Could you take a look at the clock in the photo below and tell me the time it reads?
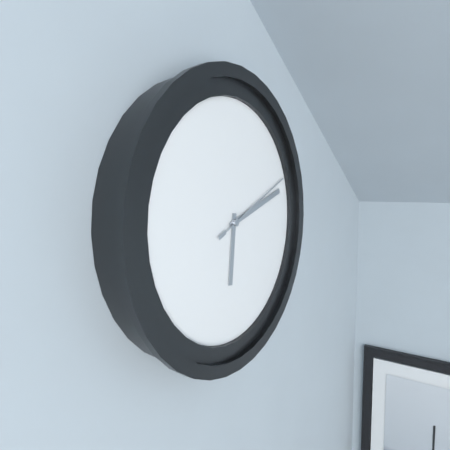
6:12:11
